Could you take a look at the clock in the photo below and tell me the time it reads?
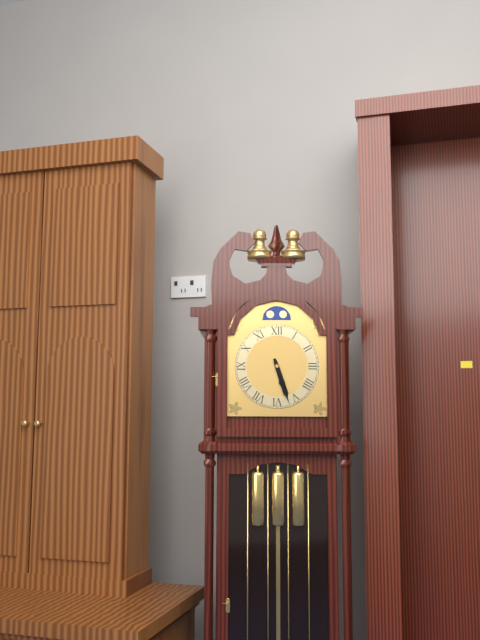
5:27
